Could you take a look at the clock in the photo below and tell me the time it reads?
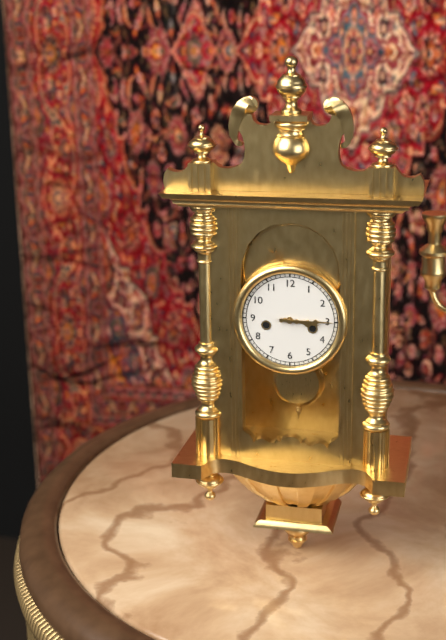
3:15
